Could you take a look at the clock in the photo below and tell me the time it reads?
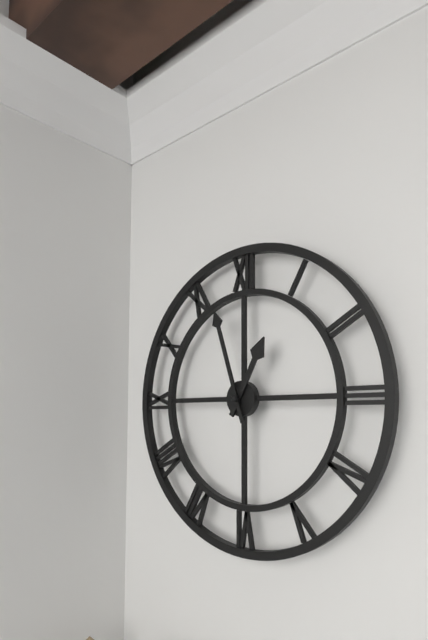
12:57
